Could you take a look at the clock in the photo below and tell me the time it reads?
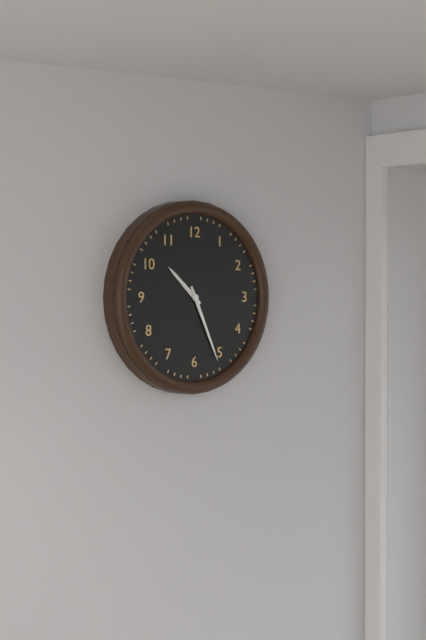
10:26
